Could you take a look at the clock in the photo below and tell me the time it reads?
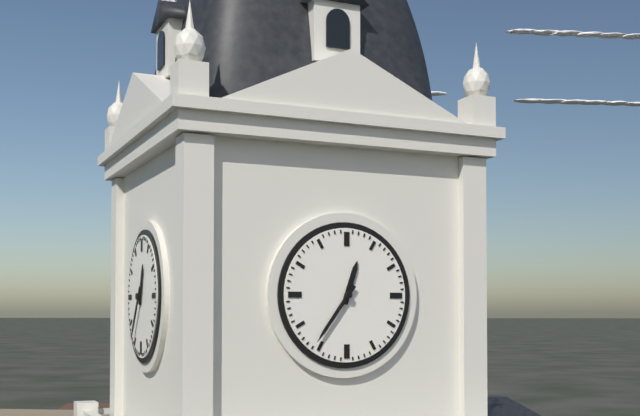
12:36
